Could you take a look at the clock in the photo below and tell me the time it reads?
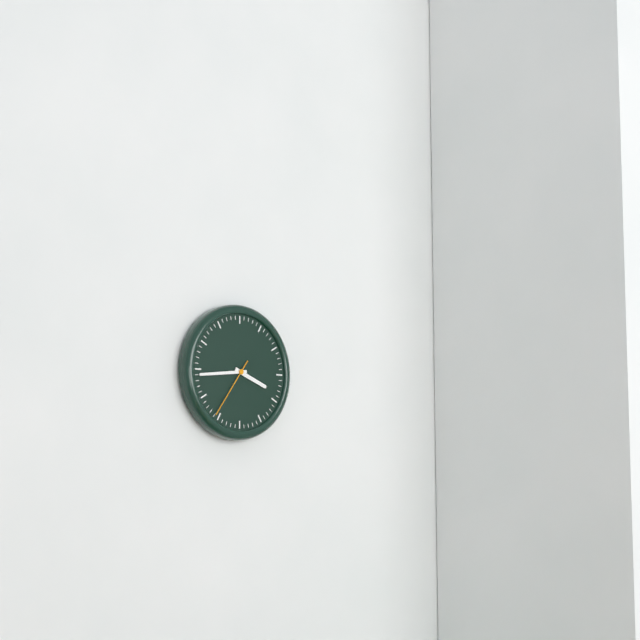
3:44:36
